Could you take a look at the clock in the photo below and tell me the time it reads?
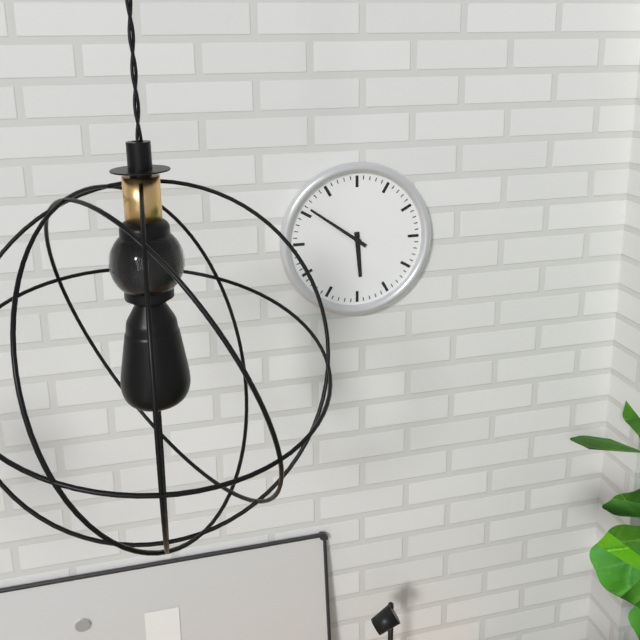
5:51
